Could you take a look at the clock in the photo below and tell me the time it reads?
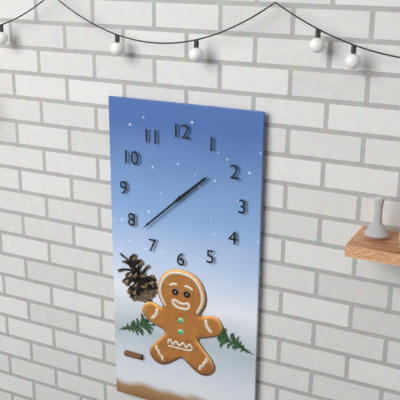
1:38
